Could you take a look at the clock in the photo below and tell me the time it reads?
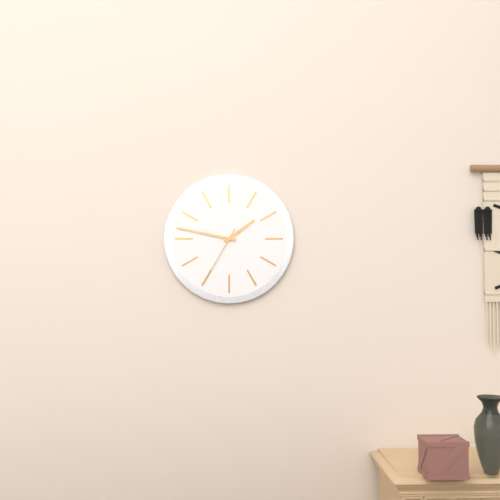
1:47:35
